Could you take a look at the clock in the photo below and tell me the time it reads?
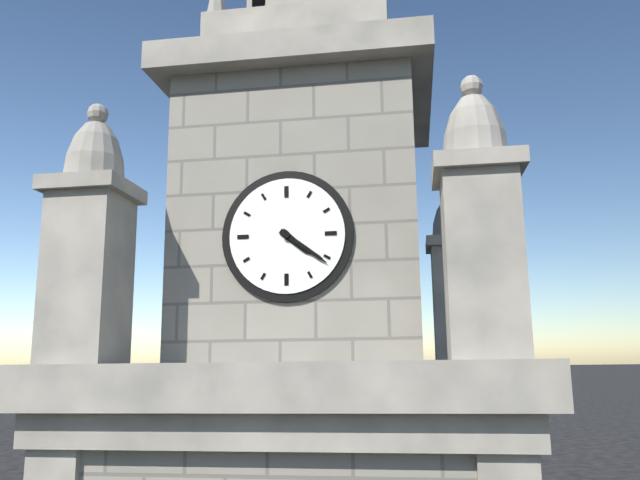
4:21
